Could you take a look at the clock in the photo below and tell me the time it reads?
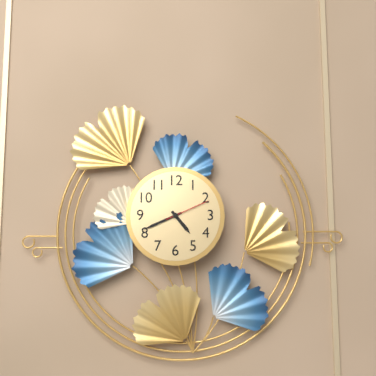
4:41
